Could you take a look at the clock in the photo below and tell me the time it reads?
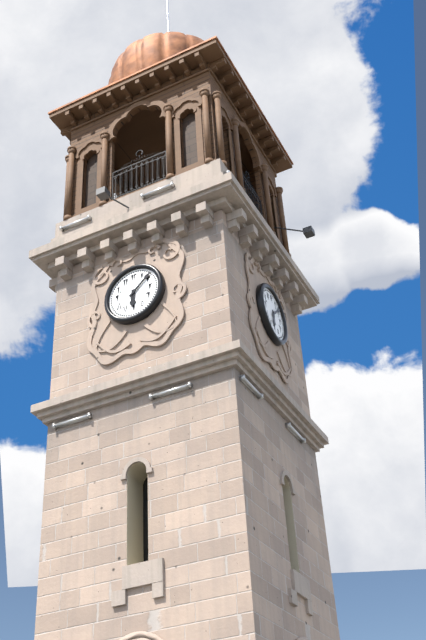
6:08
